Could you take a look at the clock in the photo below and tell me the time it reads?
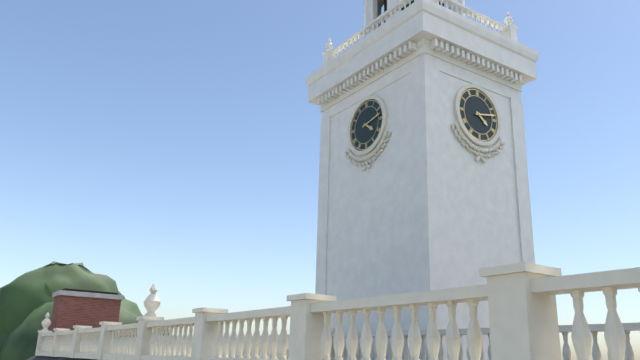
4:13
